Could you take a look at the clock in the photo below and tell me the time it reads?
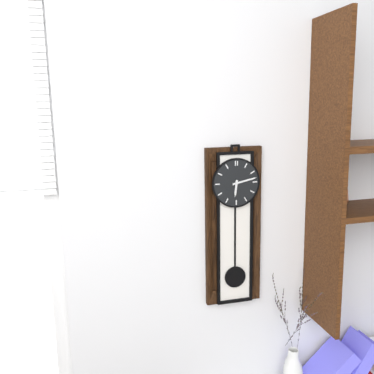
6:13
